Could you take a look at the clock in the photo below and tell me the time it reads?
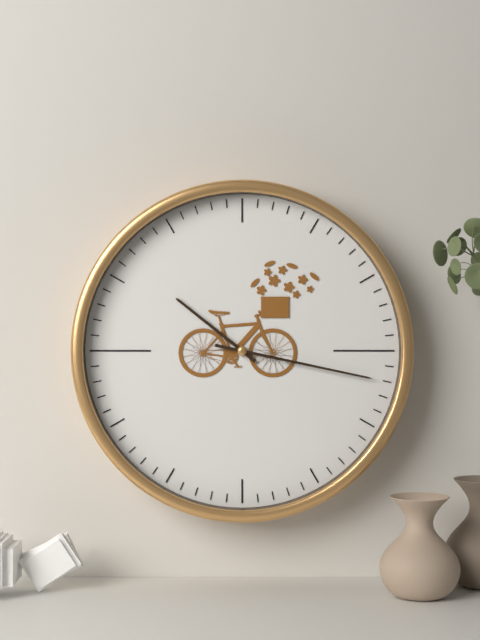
10:17
